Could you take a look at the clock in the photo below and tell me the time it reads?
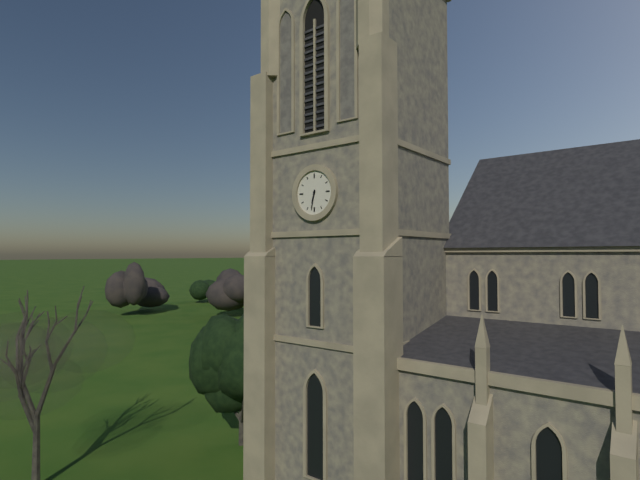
6:32
